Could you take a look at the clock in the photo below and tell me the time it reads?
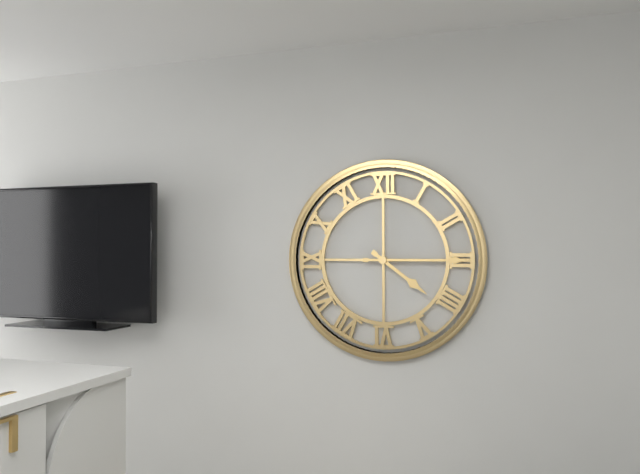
4:15
